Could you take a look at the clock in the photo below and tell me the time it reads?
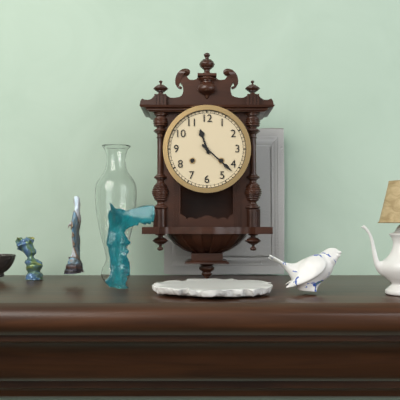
11:22
